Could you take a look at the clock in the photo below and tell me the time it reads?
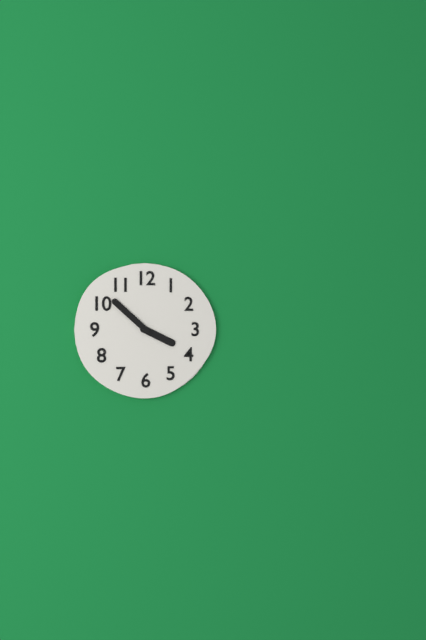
3:52
